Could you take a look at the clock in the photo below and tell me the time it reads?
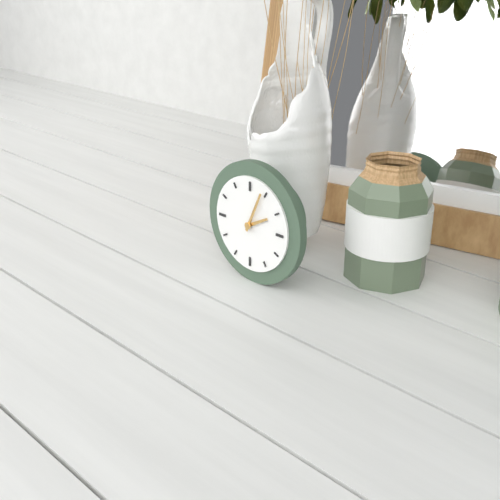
2:04
